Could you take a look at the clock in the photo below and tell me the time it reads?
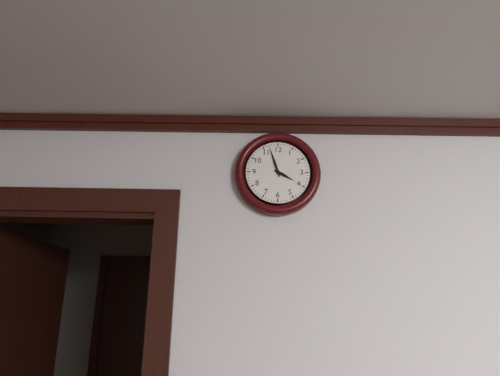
3:57
